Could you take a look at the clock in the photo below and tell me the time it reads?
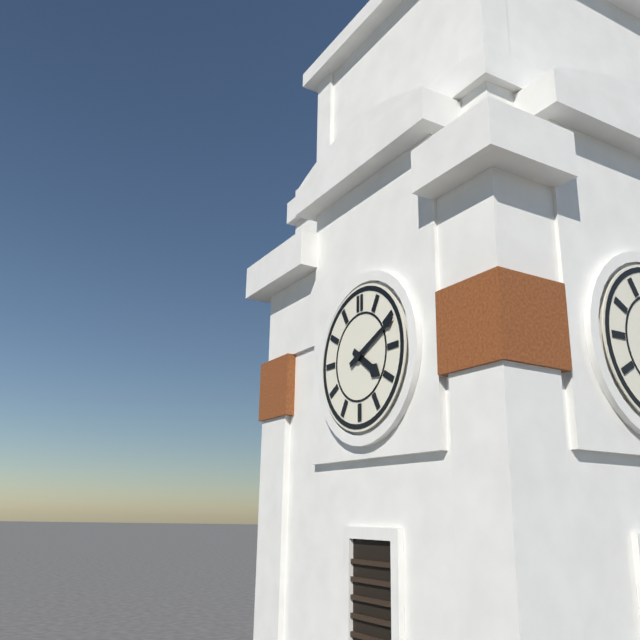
4:11
